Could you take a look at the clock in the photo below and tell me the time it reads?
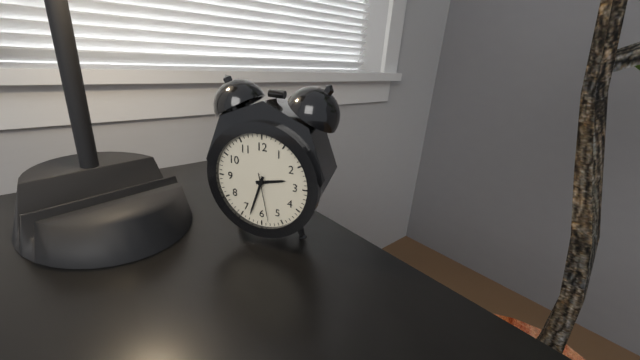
2:33:28
